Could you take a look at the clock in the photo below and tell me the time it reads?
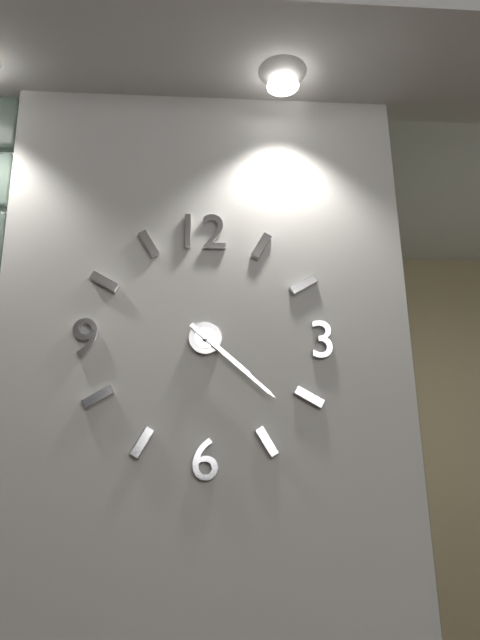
4:22
